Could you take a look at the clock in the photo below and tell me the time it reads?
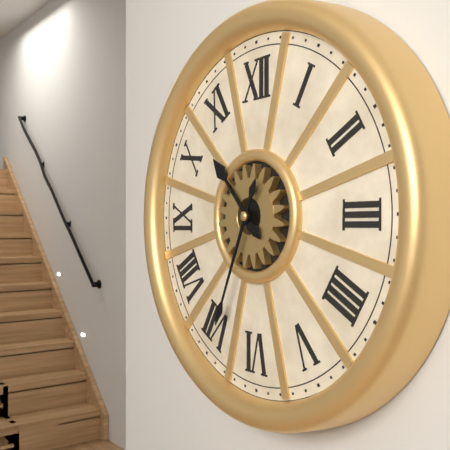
10:34
